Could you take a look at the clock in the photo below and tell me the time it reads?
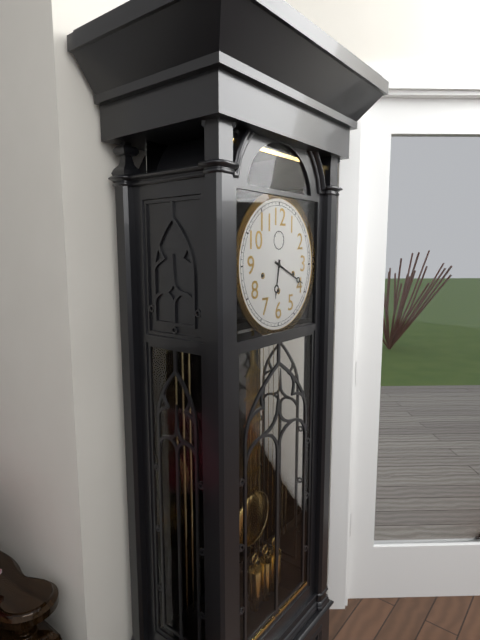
6:19
